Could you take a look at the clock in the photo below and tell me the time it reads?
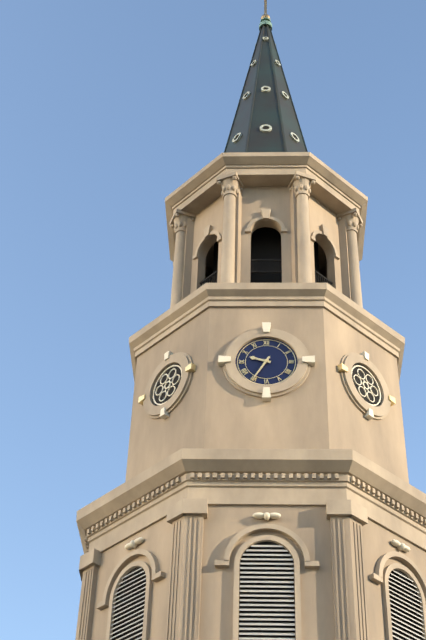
9:35
